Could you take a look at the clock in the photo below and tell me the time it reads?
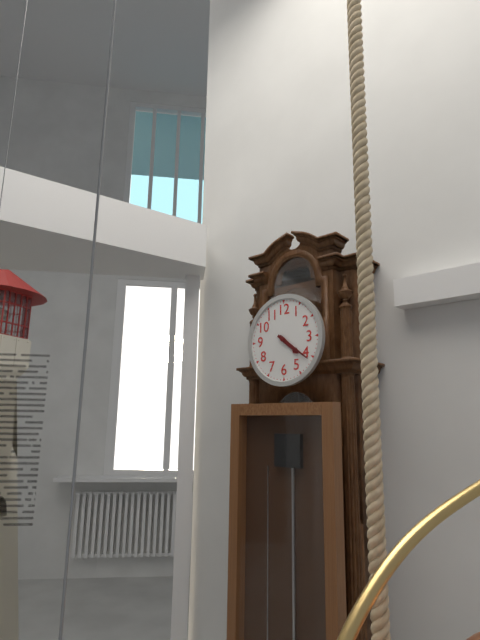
4:21
